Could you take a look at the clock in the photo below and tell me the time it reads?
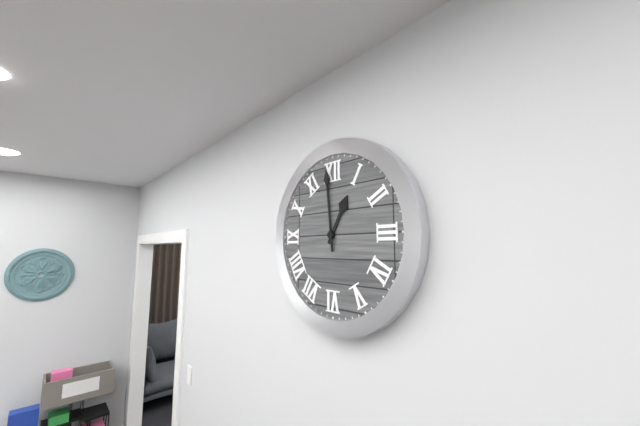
12:59
